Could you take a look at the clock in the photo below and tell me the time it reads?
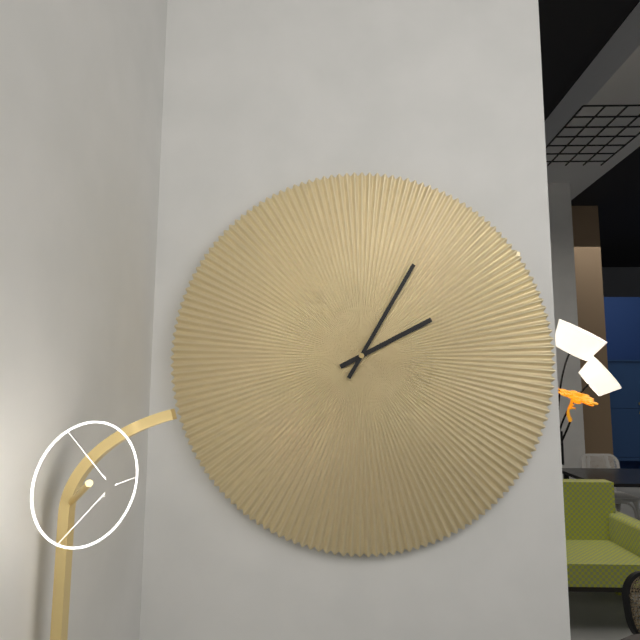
2:05
